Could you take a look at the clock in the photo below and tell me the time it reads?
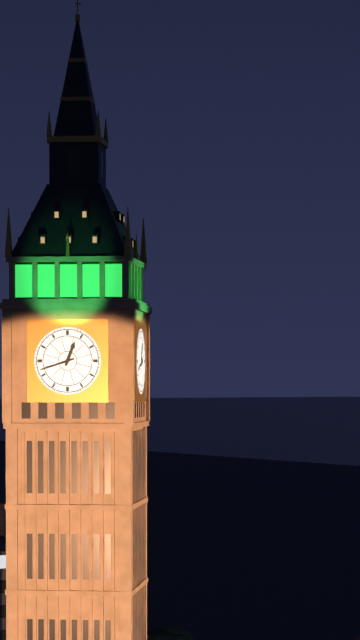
12:42
